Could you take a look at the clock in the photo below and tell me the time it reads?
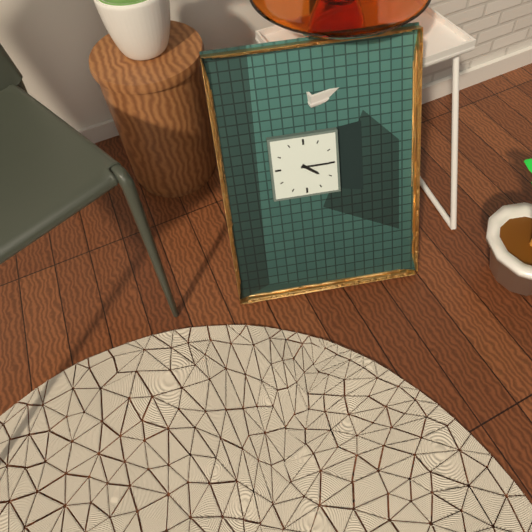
4:15
